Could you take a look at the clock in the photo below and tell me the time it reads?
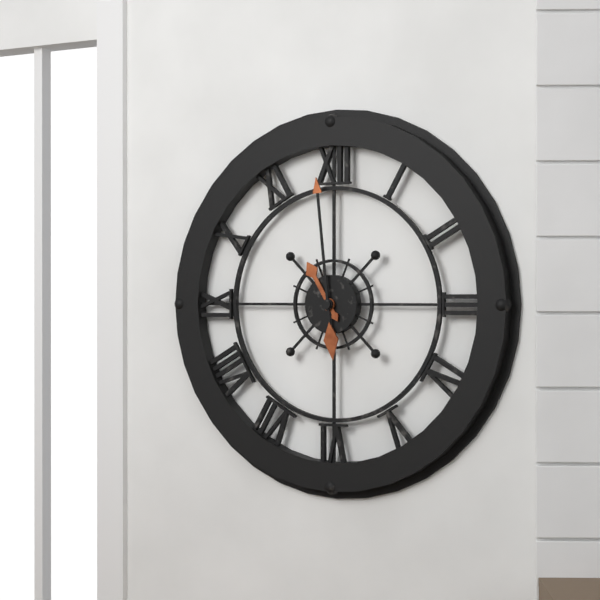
10:59
